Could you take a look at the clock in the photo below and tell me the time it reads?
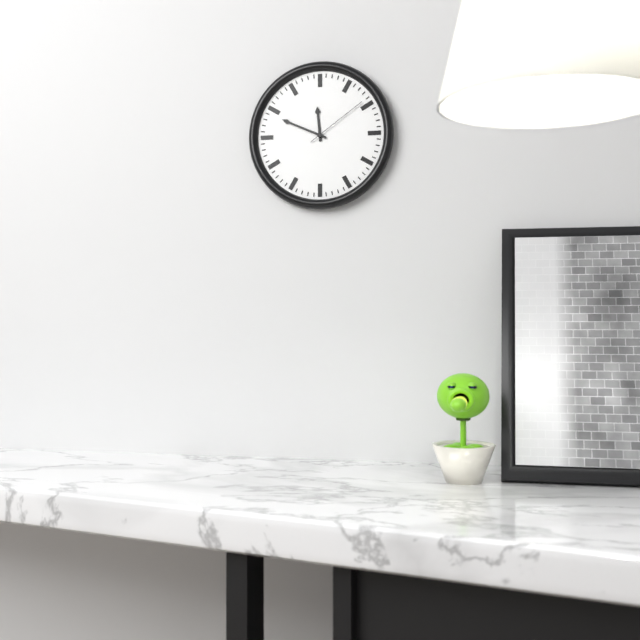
11:49:09
